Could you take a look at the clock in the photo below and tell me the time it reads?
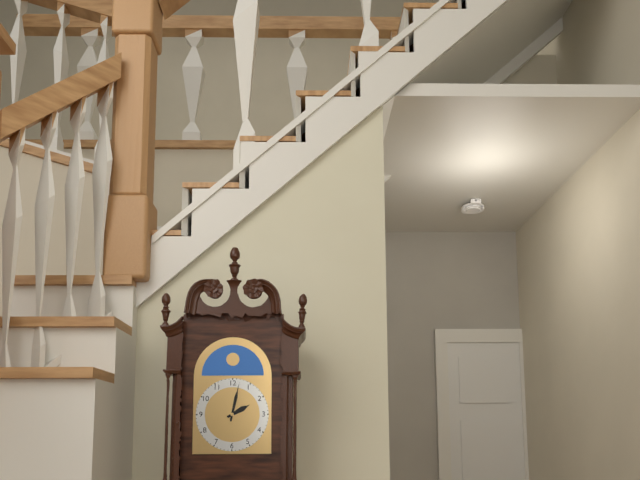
2:02
